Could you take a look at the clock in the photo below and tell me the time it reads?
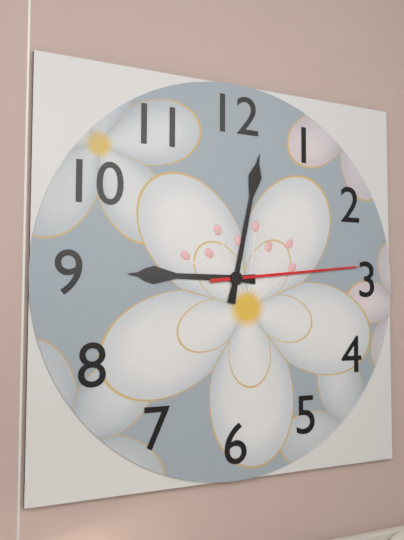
9:02:14
